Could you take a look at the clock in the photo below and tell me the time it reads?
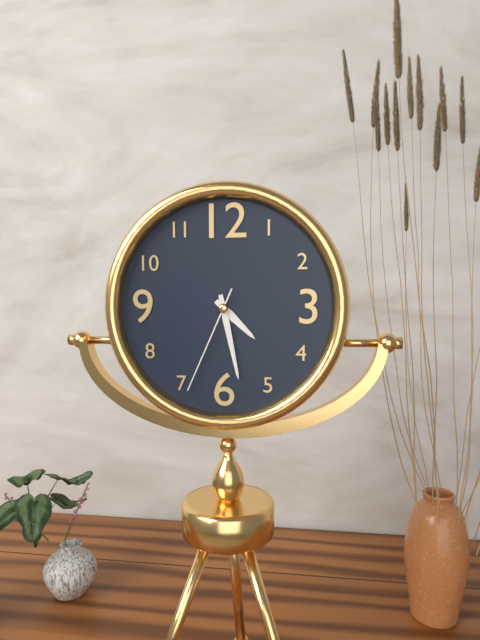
4:28:34
